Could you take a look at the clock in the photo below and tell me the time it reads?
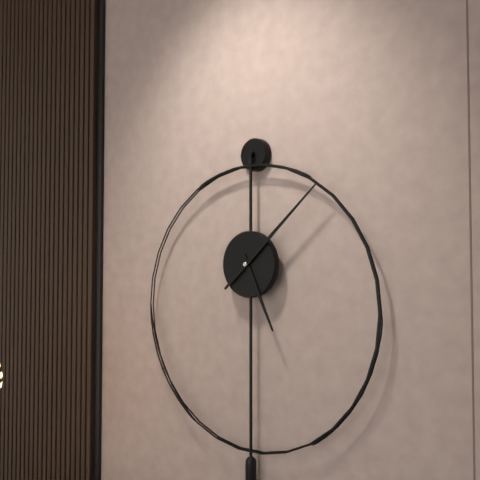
5:08
